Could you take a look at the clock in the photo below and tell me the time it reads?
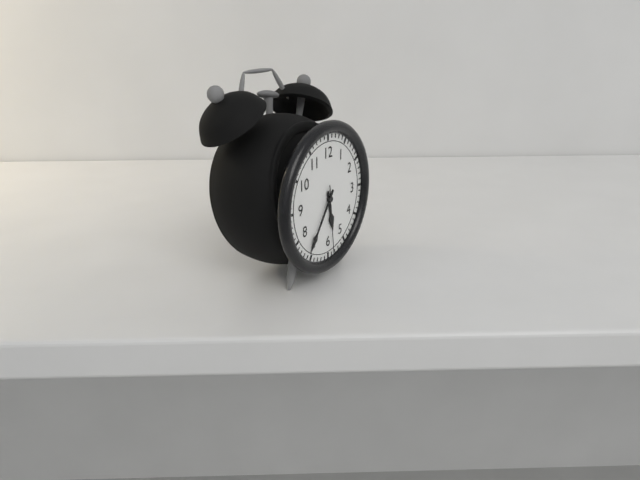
5:36:29
